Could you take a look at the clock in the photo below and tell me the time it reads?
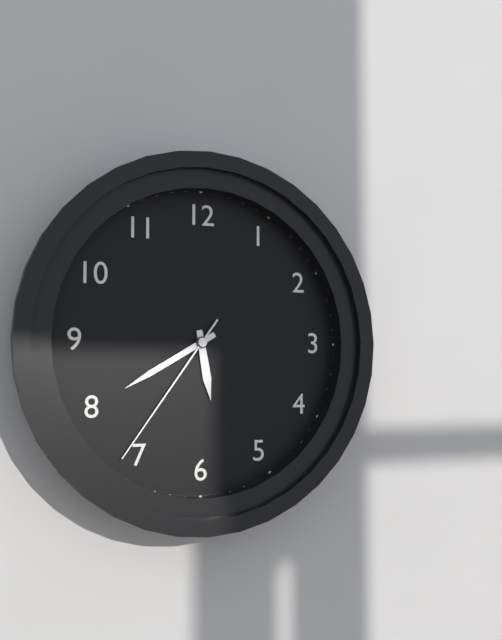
5:40:36
